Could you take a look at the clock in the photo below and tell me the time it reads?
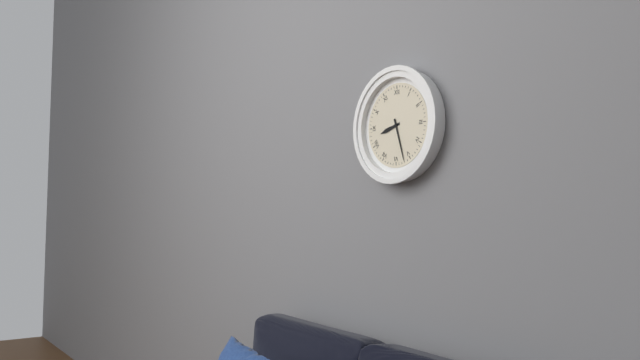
8:27
